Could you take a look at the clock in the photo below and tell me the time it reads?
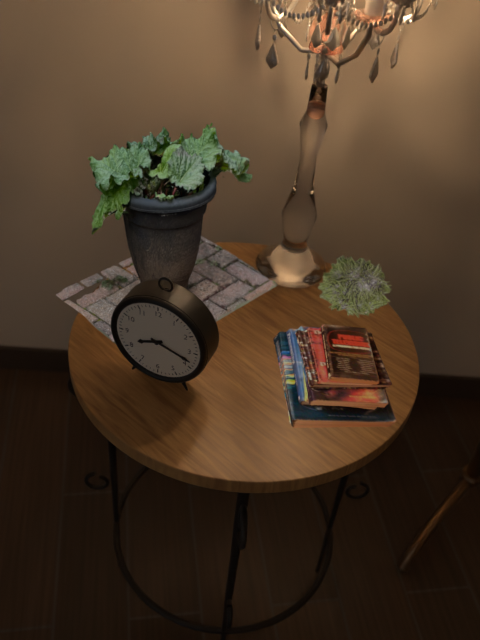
8:18
